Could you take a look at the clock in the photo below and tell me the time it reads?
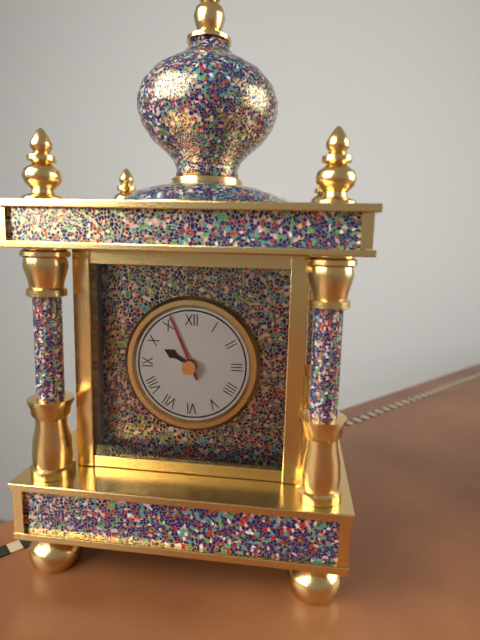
9:56
